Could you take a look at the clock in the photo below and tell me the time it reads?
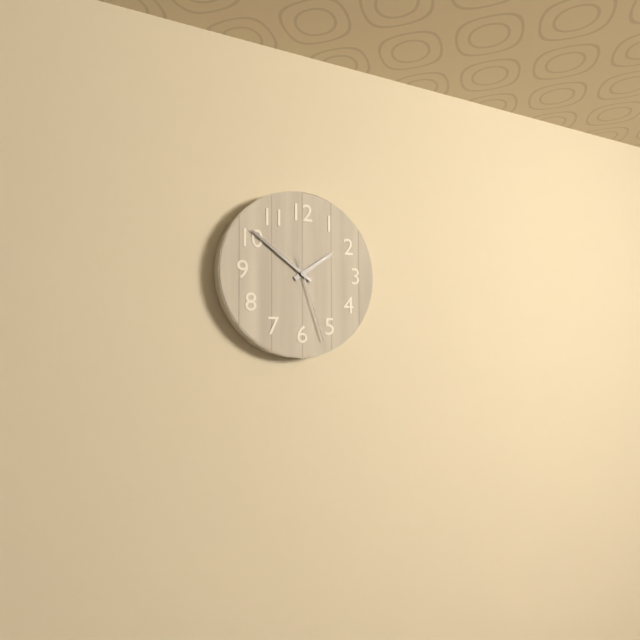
1:51:27
